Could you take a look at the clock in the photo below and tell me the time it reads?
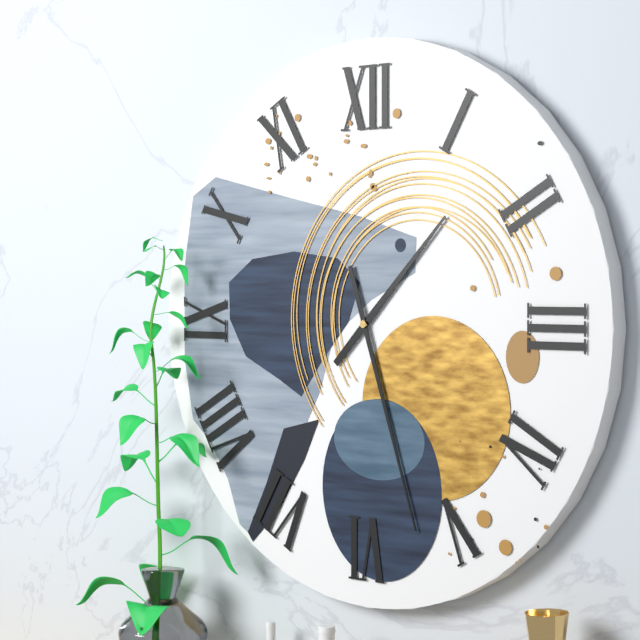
1:27
